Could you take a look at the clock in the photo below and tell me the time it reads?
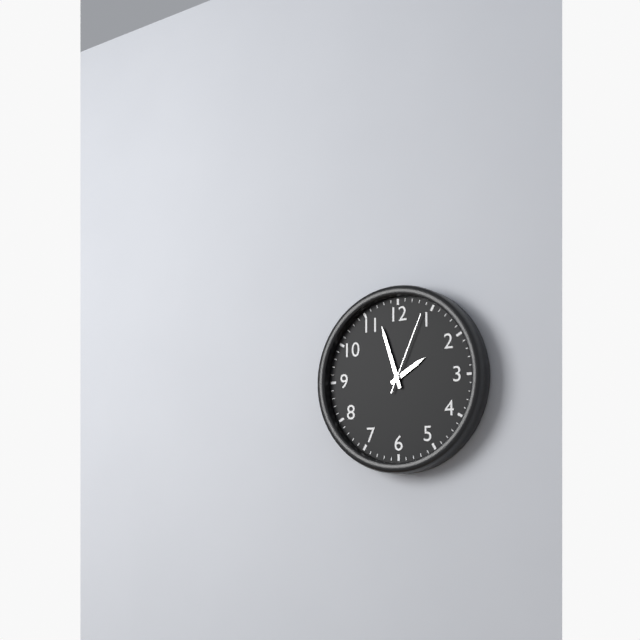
1:57:04
